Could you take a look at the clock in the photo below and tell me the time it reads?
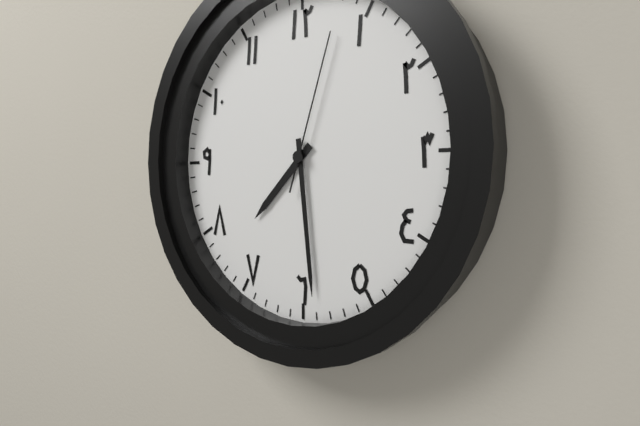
7:29:03
